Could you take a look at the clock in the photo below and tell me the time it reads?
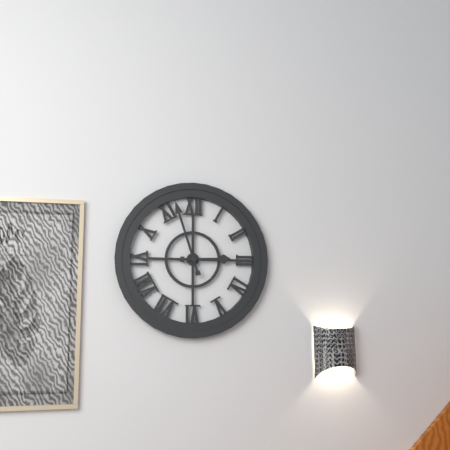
2:57
